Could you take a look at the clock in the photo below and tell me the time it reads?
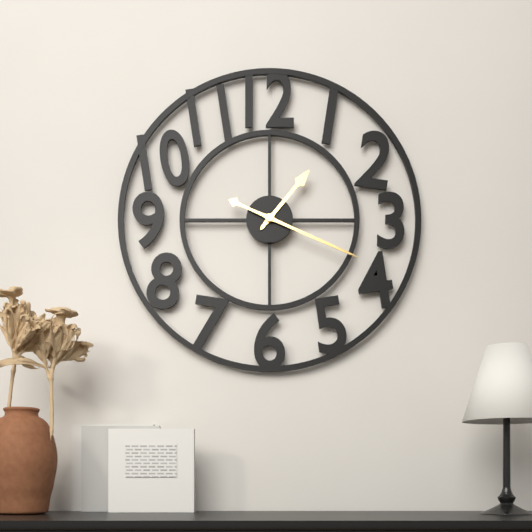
1:19
